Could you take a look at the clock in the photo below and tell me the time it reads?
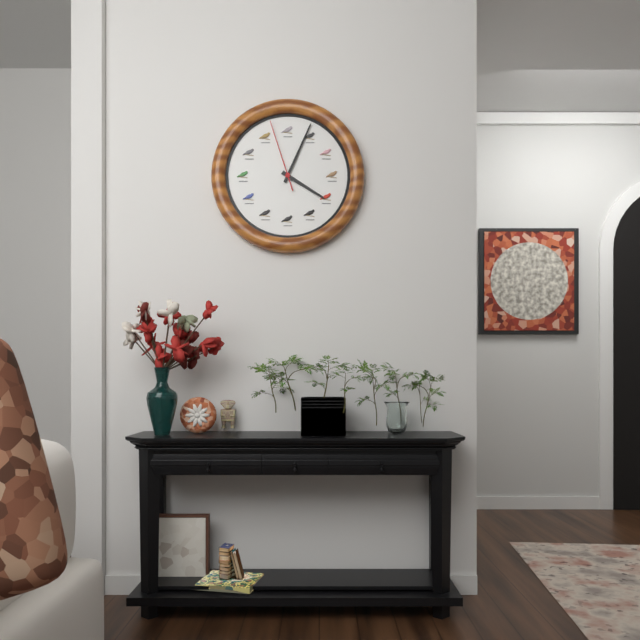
4:04:57
